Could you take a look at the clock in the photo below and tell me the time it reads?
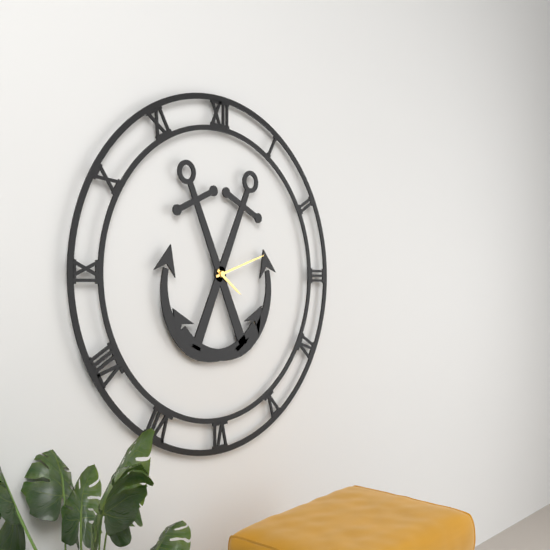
4:12
